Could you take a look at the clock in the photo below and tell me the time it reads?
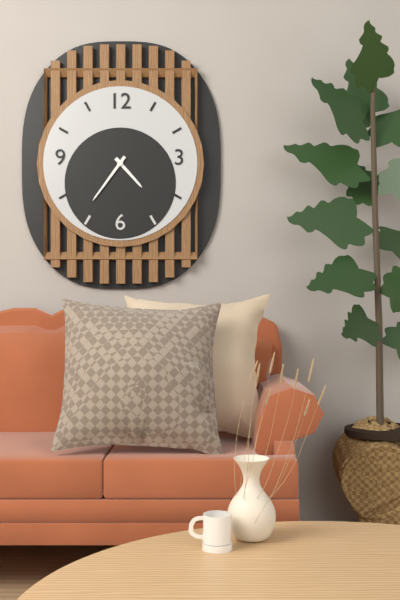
4:36
